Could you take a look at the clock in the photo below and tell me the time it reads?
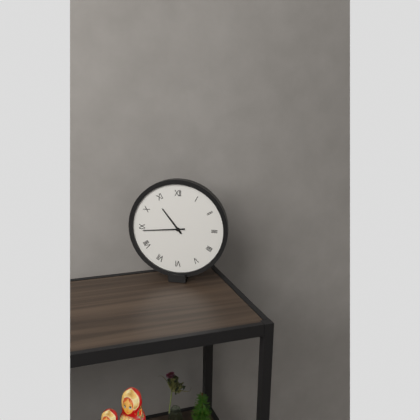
10:44
